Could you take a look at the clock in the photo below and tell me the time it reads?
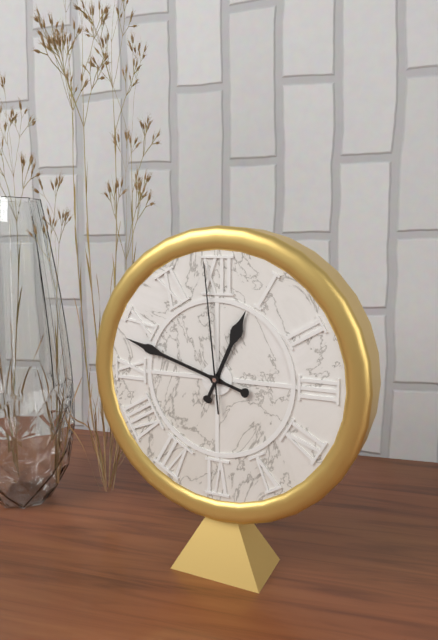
12:48:59
